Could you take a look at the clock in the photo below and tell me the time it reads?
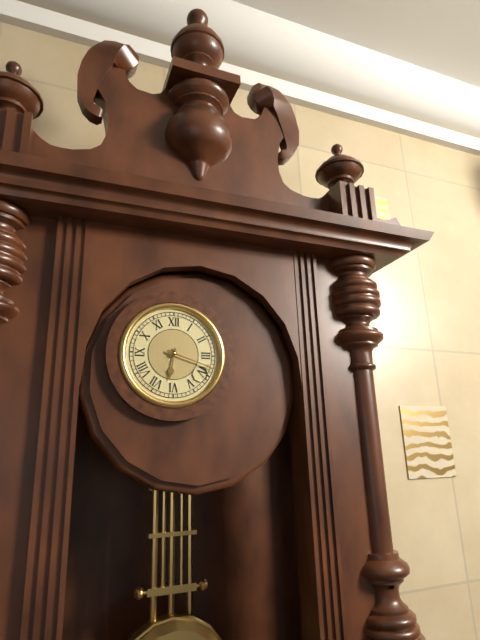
6:18
